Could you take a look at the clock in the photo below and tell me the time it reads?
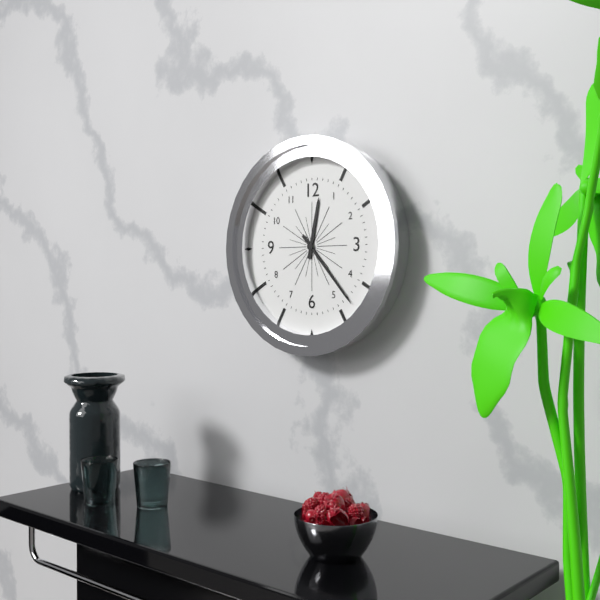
12:23
